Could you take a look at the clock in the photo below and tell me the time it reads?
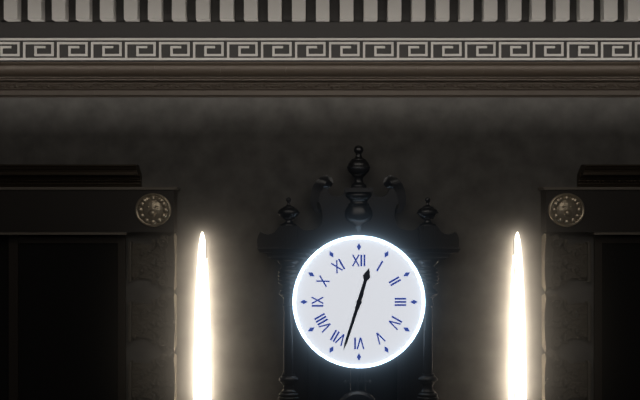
12:33
